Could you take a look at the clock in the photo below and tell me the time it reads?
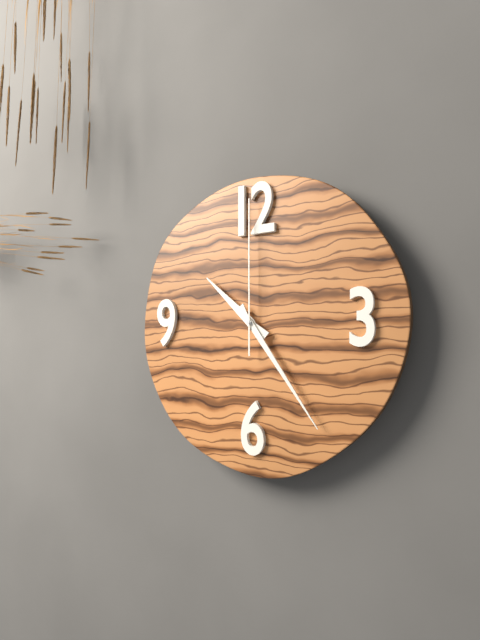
10:24:00
